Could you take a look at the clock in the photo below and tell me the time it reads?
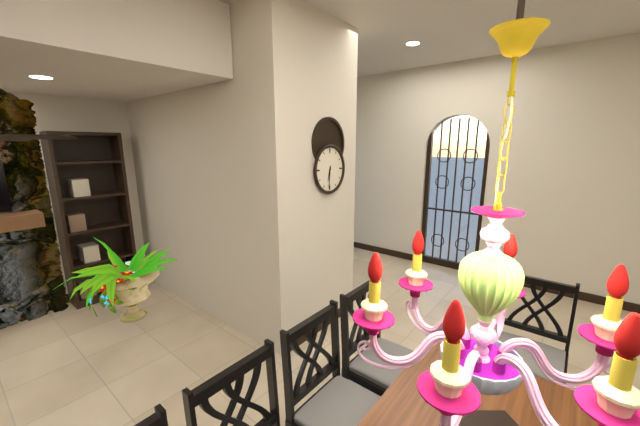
6:31
